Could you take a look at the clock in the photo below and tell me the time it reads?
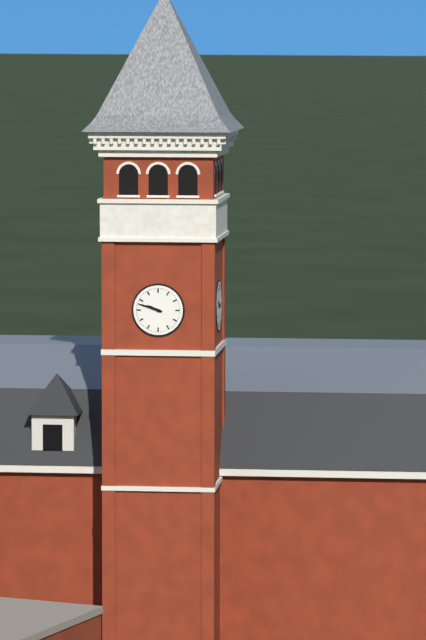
9:48
